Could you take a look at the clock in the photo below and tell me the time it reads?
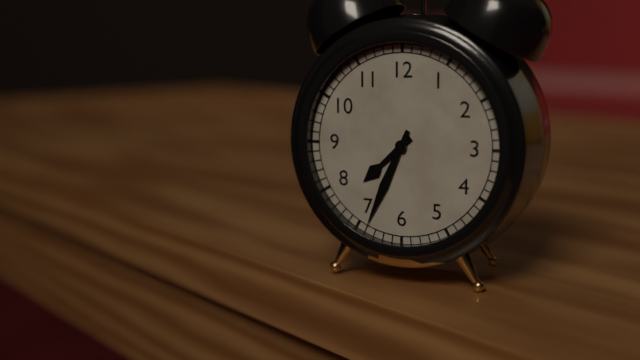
7:34
